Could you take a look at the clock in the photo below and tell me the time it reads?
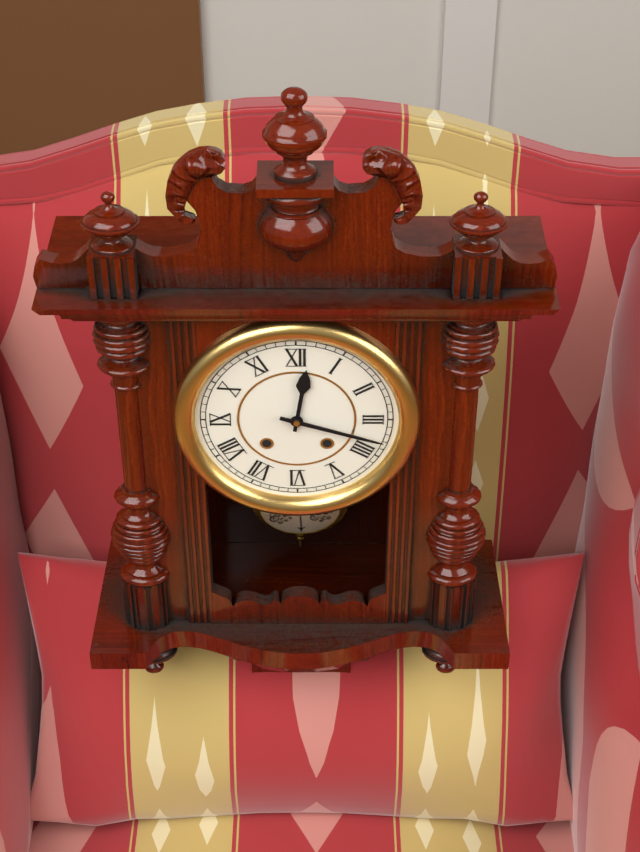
12:18
